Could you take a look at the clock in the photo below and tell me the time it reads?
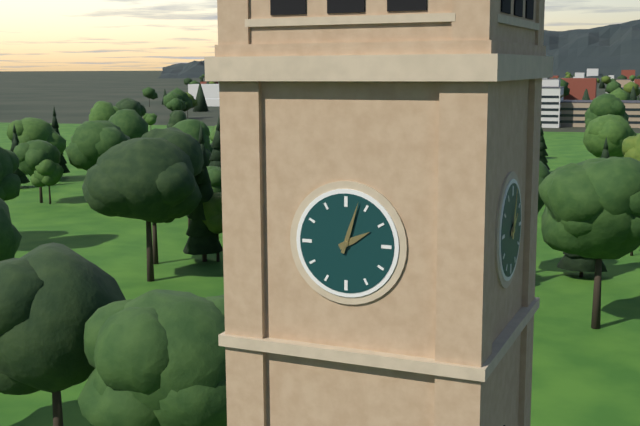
2:03
